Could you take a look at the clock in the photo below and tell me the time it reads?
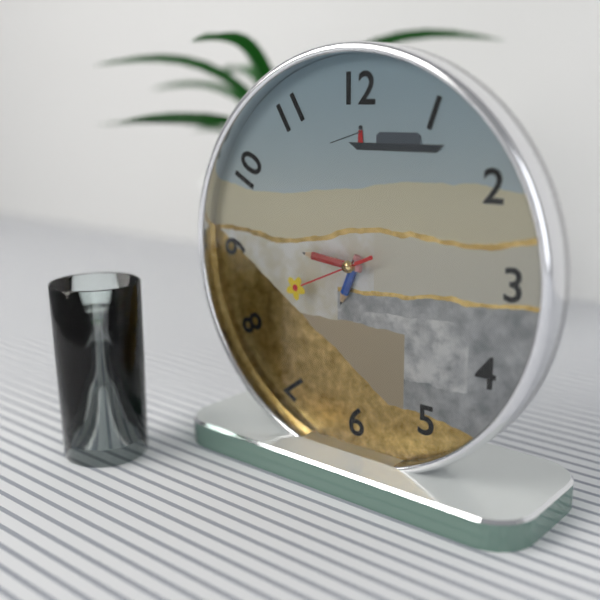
6:46:41
